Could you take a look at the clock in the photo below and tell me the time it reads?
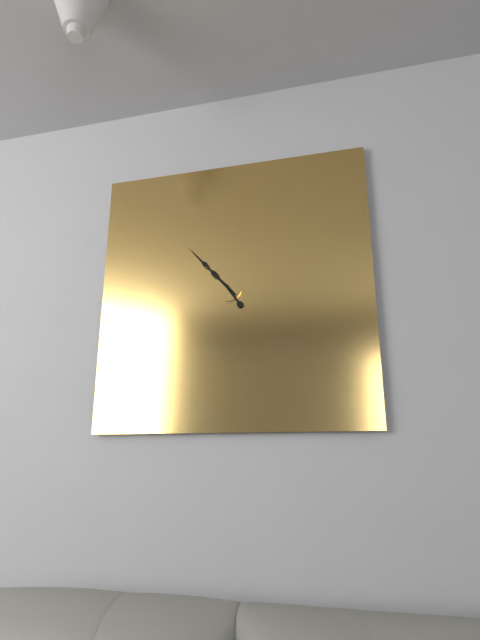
4:53
